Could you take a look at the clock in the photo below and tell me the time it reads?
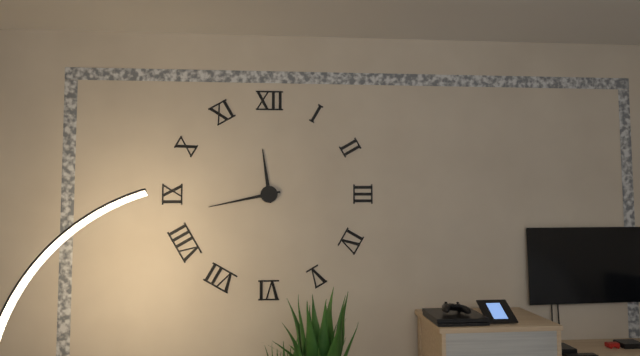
11:43
